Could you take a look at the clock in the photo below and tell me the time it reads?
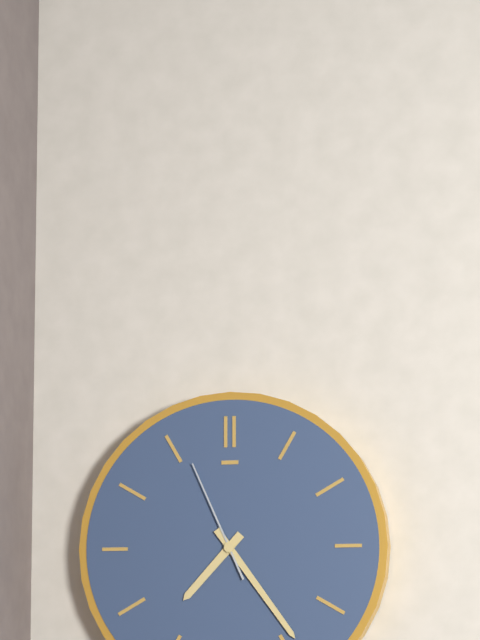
7:24:56
